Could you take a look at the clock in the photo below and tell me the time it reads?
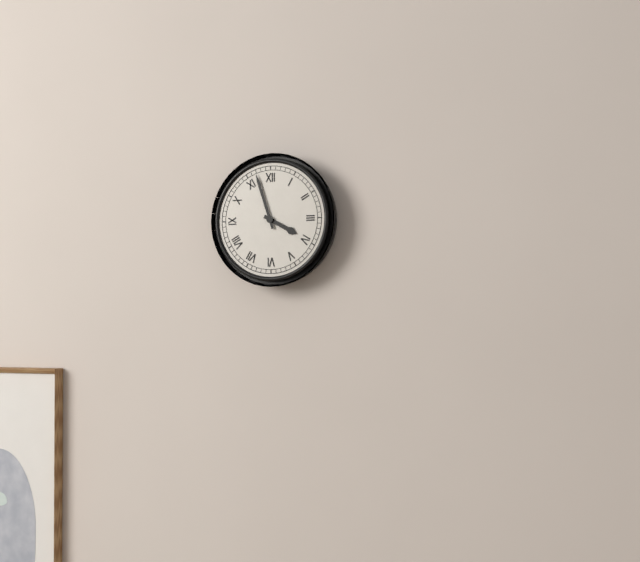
3:57
